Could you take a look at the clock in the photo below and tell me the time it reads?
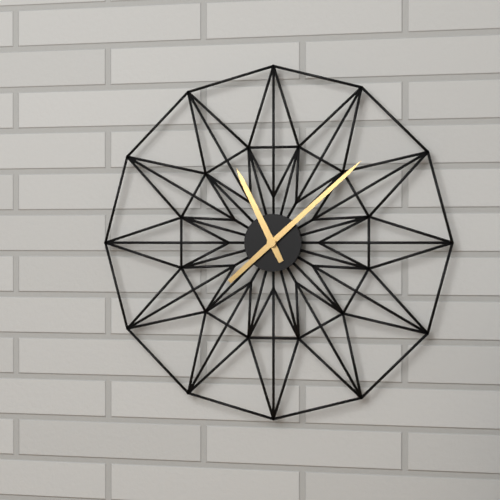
11:08
